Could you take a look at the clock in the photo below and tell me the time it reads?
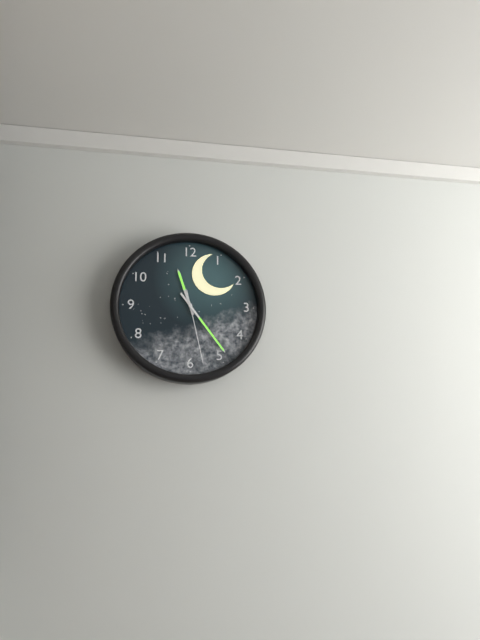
11:24:28
